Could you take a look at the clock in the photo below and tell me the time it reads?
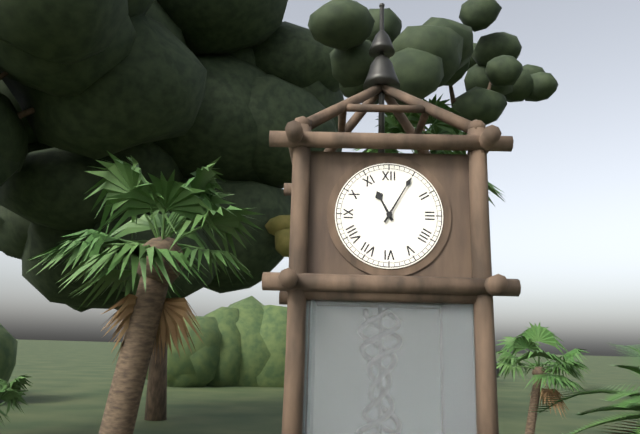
11:05
